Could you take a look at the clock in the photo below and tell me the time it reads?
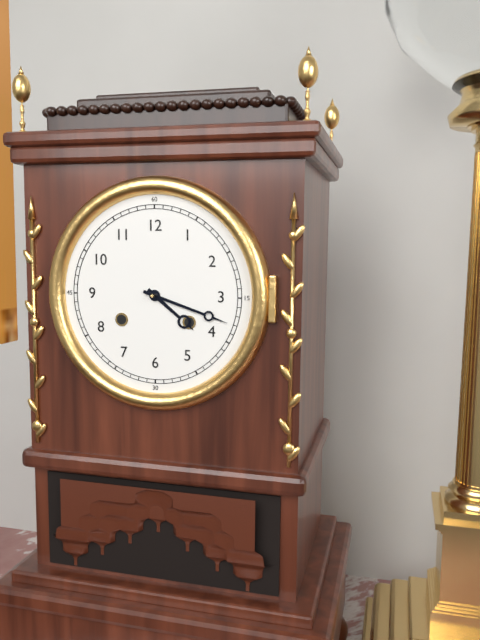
4:18
